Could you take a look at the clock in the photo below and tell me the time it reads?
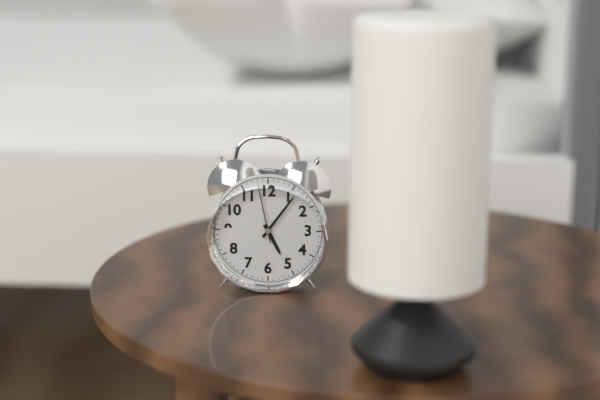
5:06:58
